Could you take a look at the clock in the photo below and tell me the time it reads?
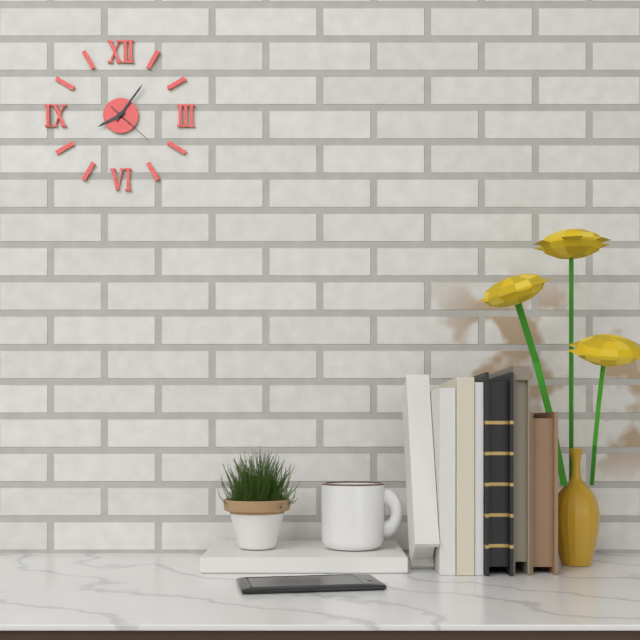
8:06
